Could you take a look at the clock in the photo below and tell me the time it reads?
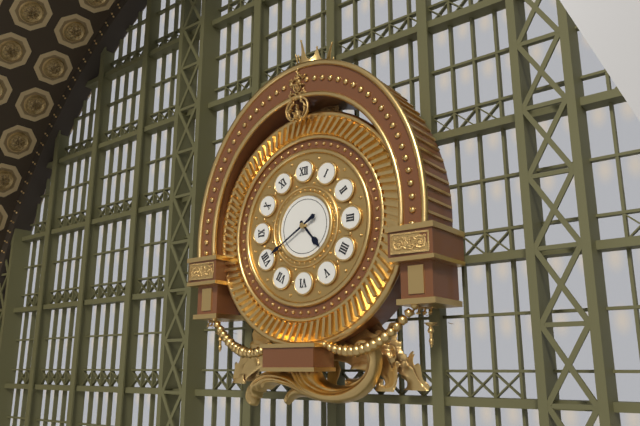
4:40
